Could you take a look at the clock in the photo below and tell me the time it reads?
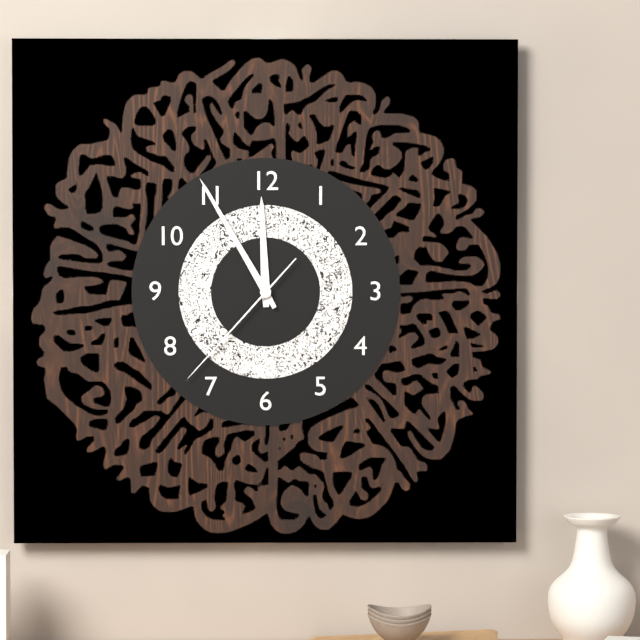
11:55:37
